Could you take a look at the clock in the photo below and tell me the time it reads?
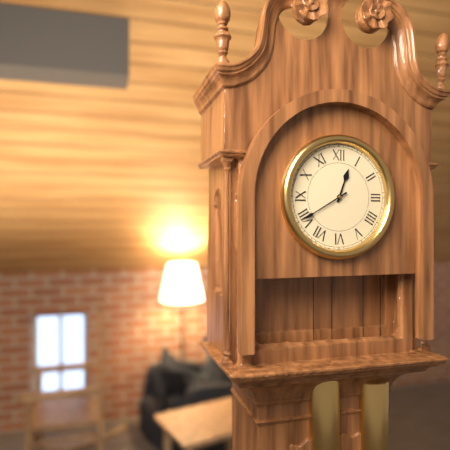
12:40
